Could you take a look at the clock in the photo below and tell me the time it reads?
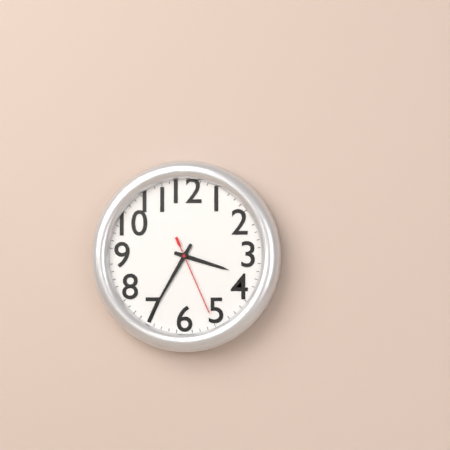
3:35:26
